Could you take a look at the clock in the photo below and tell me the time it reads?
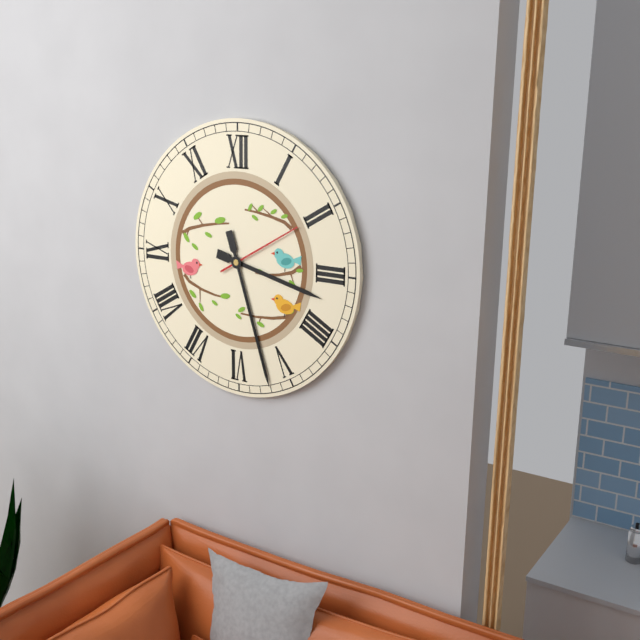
3:27:10
